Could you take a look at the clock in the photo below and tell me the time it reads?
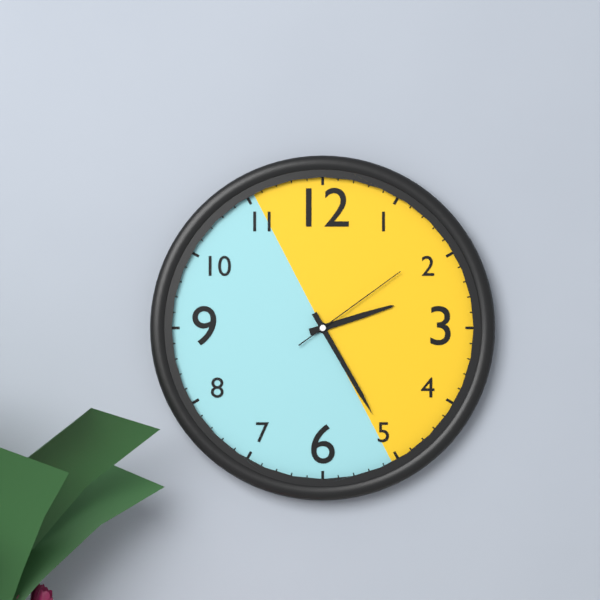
2:25:09
